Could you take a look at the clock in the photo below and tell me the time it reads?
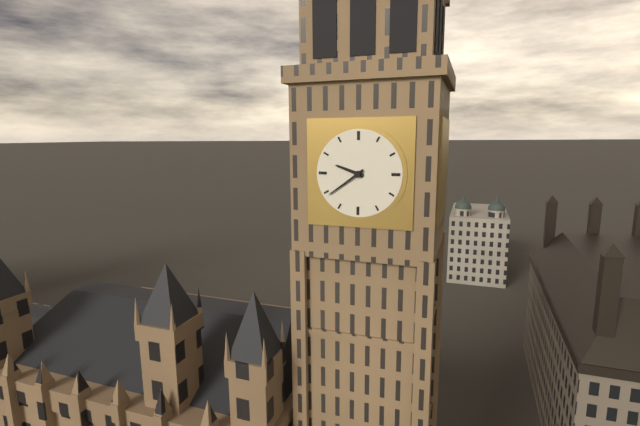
9:39
